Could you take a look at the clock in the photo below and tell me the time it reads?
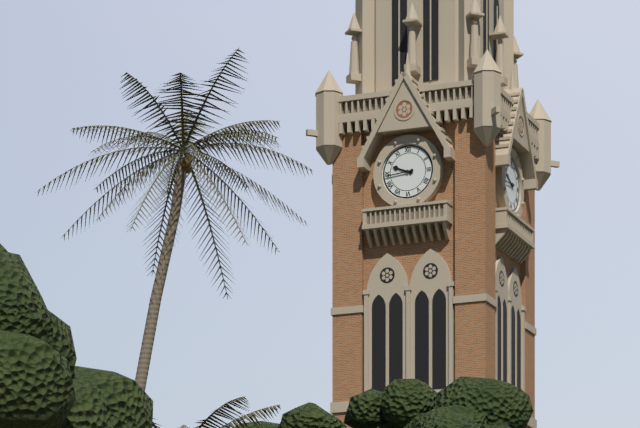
9:44
